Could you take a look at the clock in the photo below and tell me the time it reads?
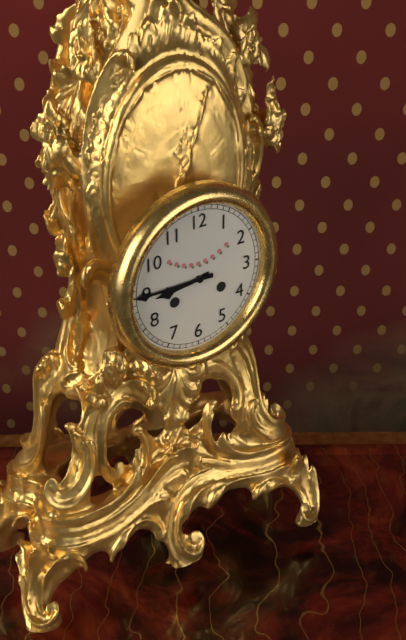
8:45
